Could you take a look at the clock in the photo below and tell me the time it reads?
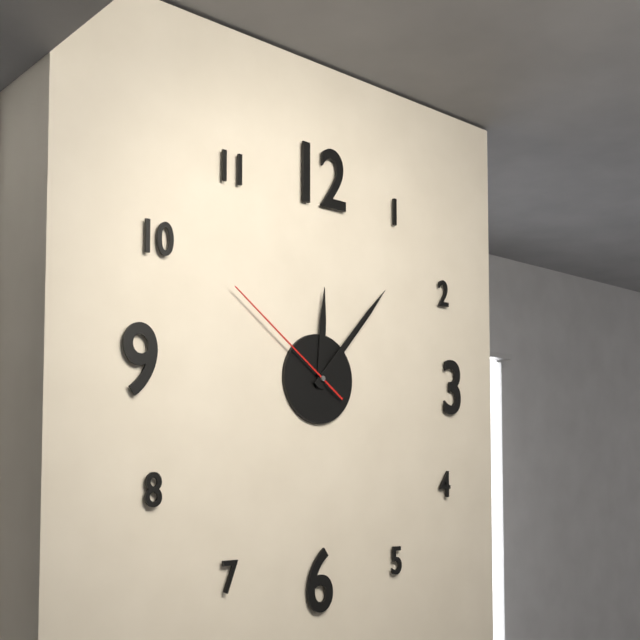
12:07:51
